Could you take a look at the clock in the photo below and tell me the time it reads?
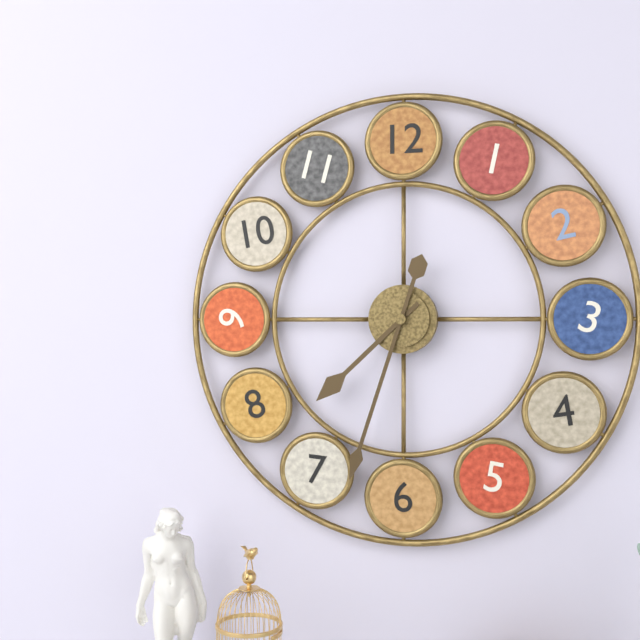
7:33
